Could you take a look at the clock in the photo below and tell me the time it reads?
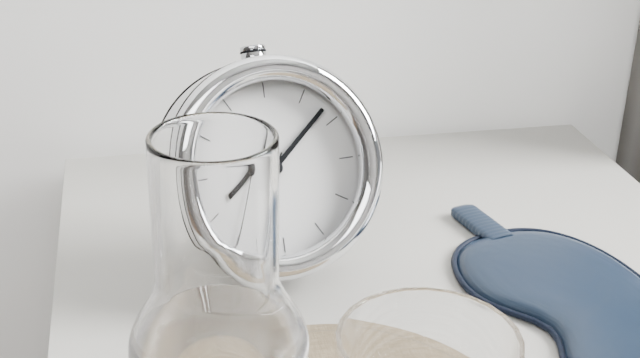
8:08:35
